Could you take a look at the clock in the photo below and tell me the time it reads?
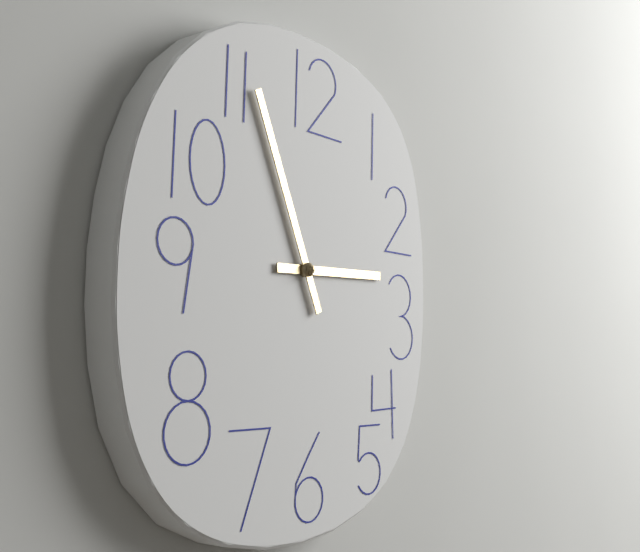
2:56
